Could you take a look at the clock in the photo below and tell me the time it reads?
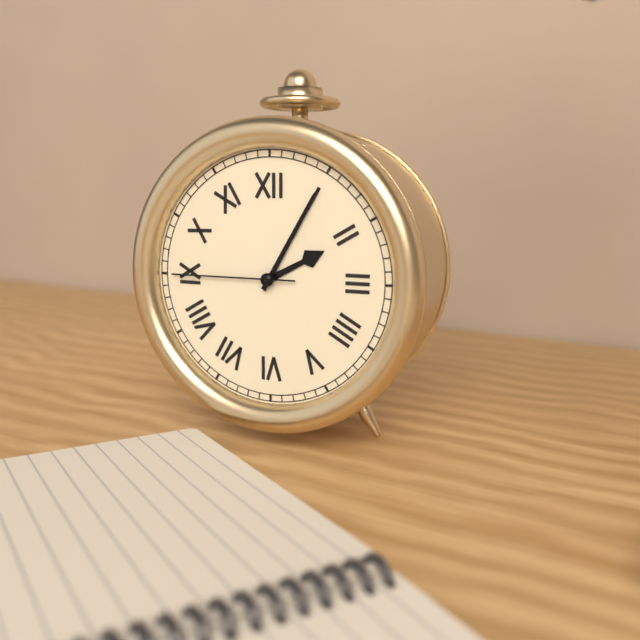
2:05:45
